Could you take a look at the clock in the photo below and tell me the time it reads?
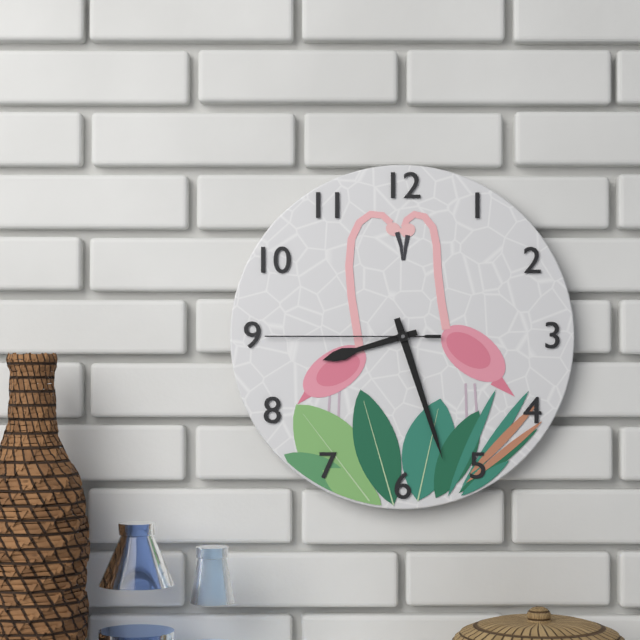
8:27:45
